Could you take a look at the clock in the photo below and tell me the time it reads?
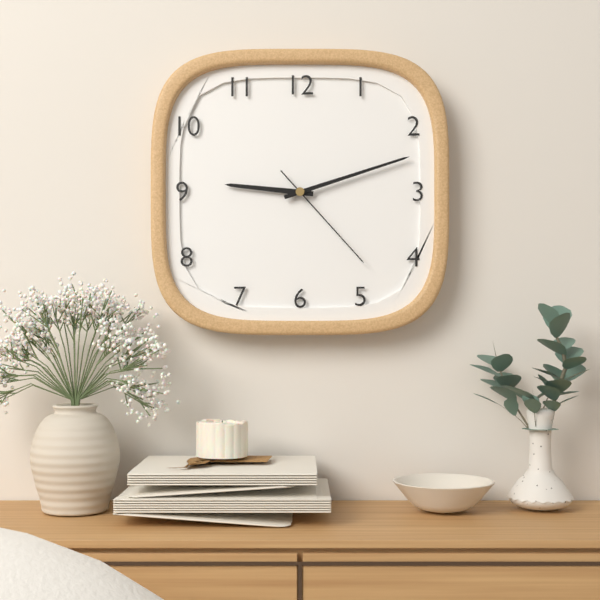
9:12:23
